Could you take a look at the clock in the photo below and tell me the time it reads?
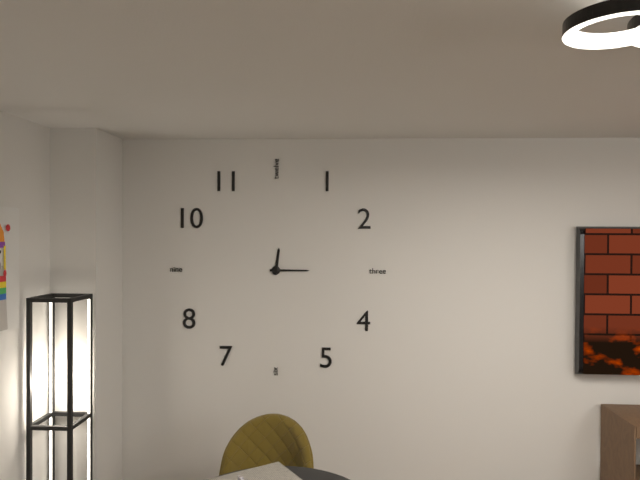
12:15
